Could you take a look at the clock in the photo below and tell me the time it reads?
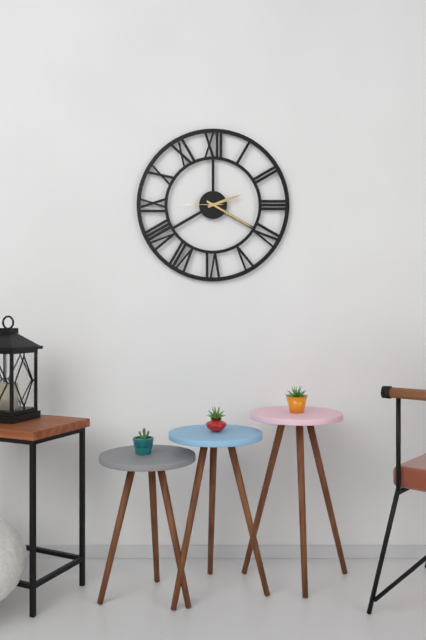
2:20
